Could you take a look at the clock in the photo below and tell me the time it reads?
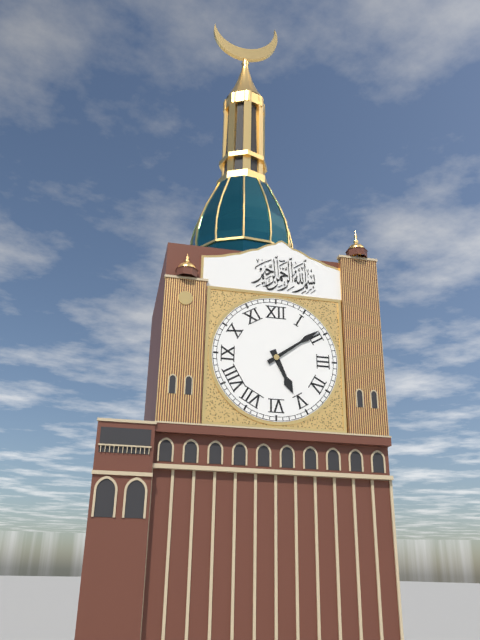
5:09
